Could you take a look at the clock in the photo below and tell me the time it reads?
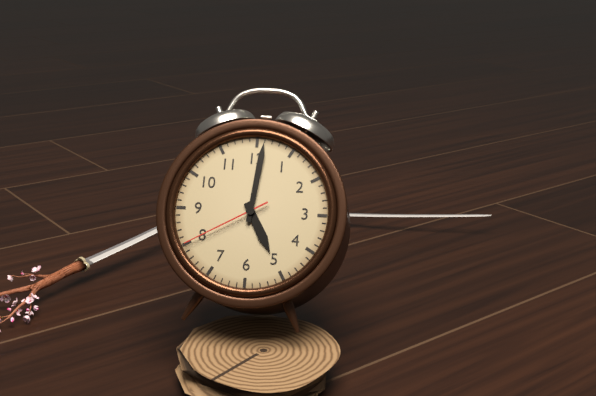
5:01:40
